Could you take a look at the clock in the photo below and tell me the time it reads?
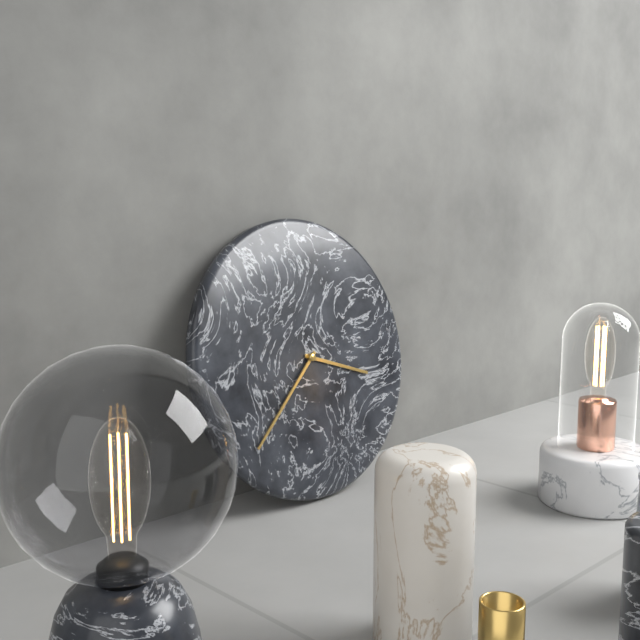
3:38
